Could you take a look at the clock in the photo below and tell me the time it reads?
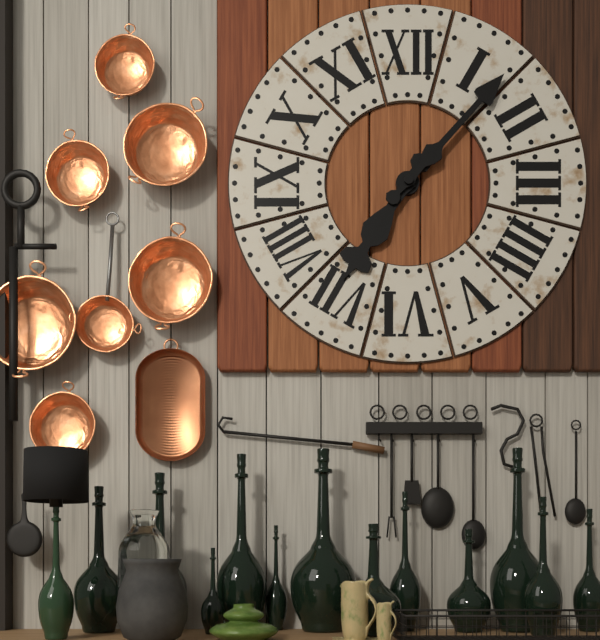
7:07
